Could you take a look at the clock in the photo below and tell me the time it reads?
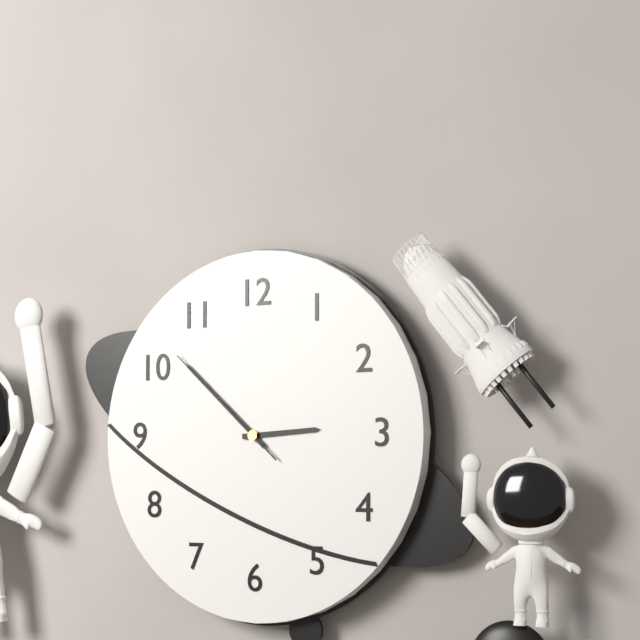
2:52:52
